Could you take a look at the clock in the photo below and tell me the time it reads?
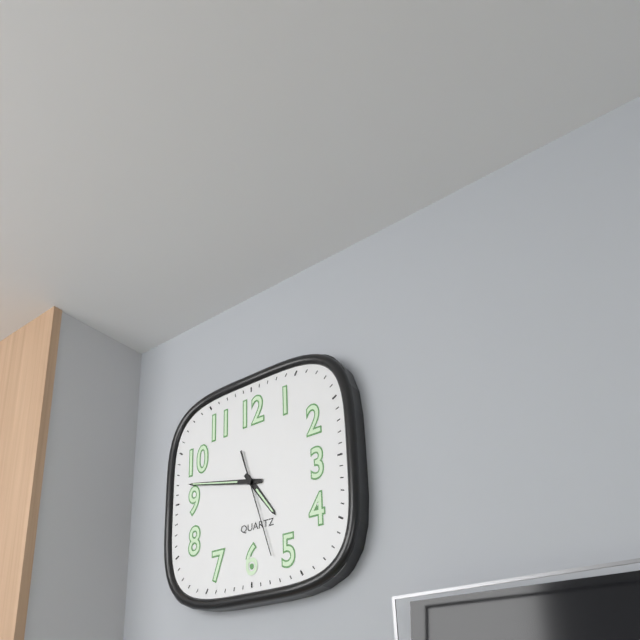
4:47:27
